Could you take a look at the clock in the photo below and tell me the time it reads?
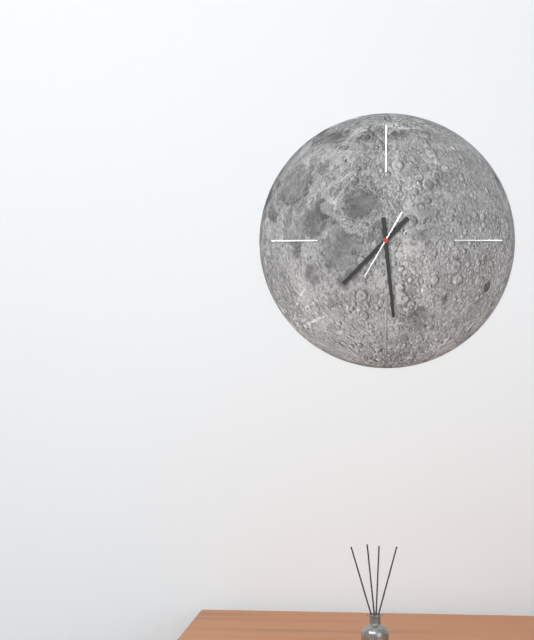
7:29:35
